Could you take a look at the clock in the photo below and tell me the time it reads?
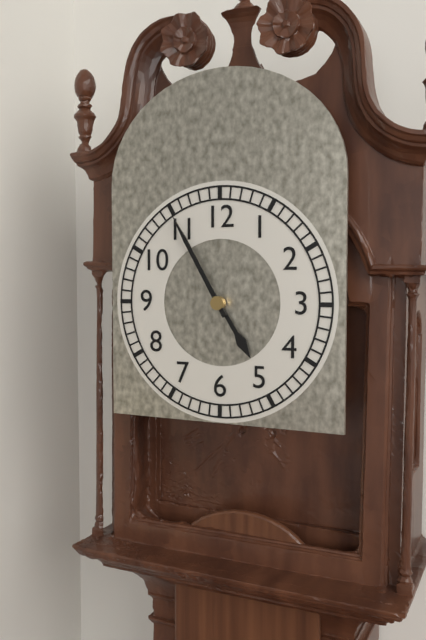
4:55
